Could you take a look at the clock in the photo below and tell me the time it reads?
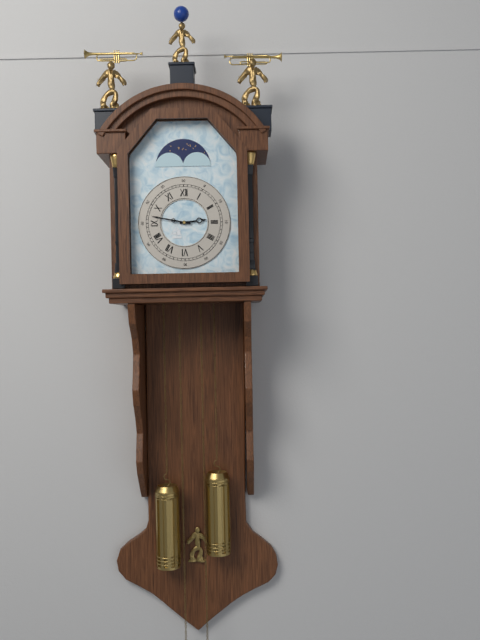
2:47
